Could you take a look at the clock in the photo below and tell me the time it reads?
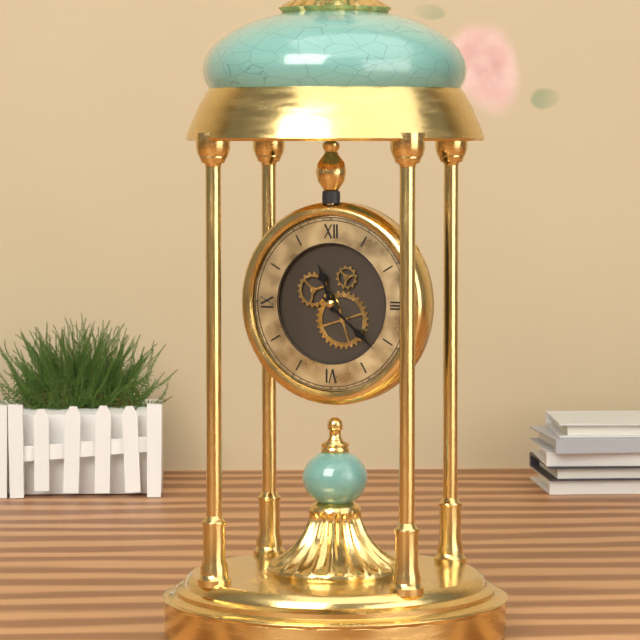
11:22
